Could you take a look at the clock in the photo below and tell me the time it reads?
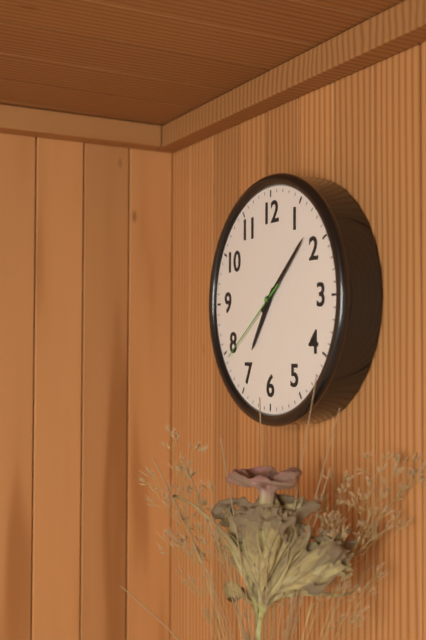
7:08:39
